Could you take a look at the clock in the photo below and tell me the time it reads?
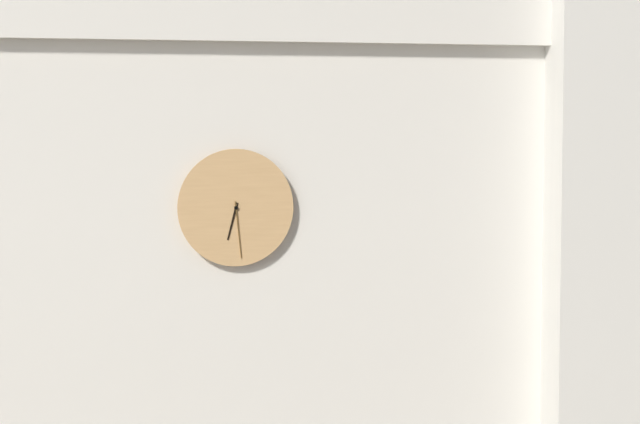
6:29
